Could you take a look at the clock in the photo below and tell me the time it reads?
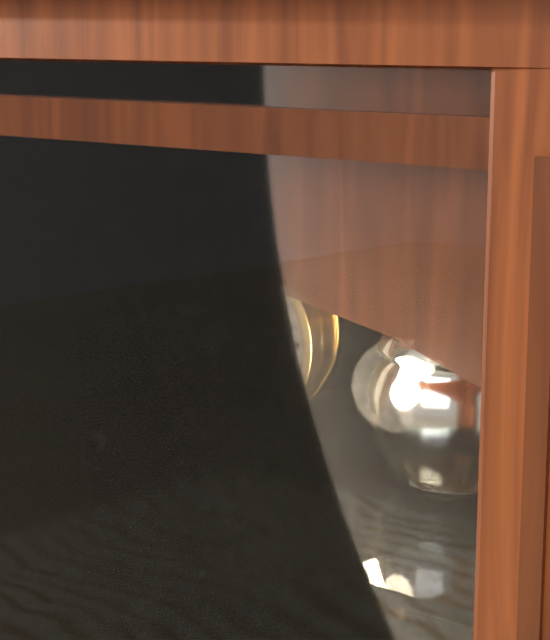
8:13
